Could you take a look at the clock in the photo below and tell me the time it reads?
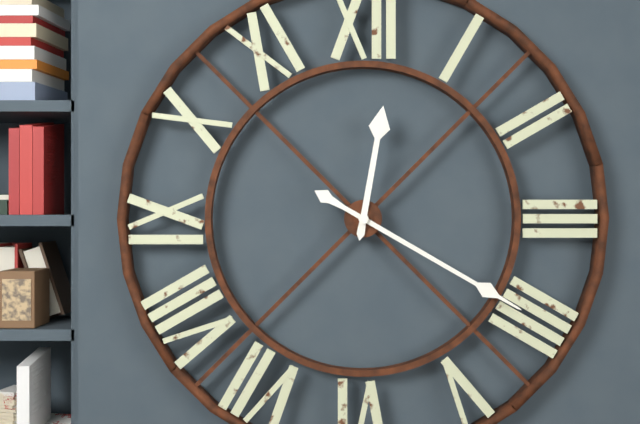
12:20
